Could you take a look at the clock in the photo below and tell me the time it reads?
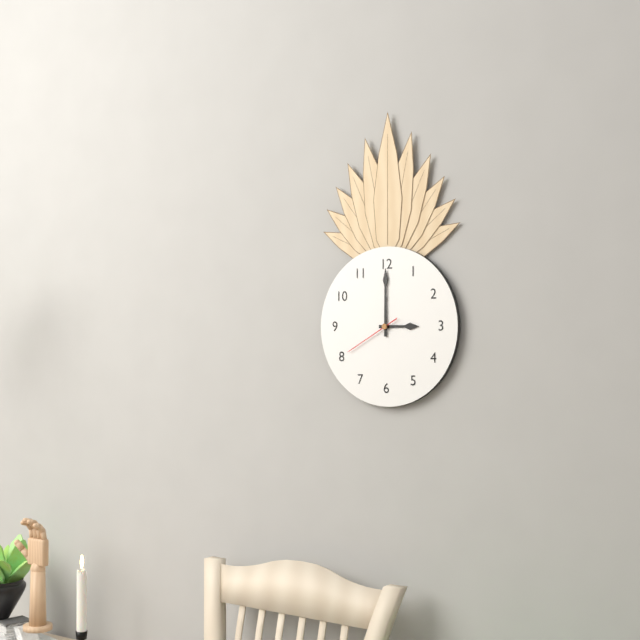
3:00:40
